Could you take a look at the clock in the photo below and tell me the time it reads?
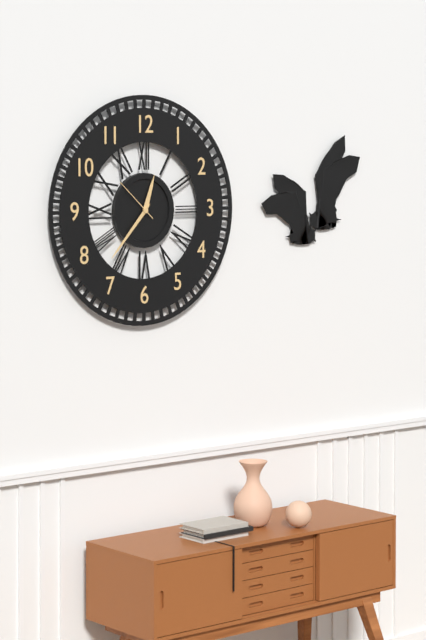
12:37
